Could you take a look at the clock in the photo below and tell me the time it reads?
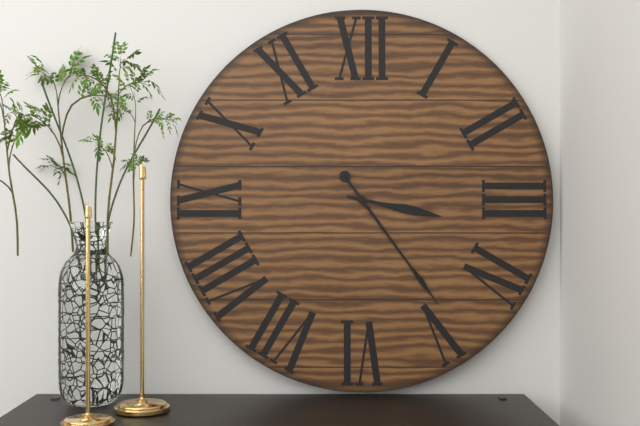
3:24
